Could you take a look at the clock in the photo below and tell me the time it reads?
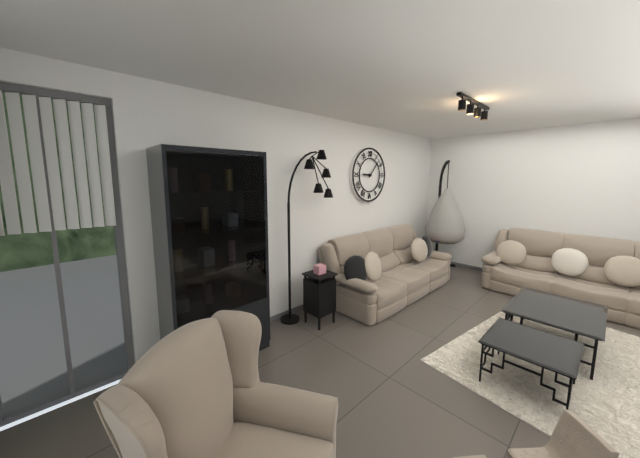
9:07
